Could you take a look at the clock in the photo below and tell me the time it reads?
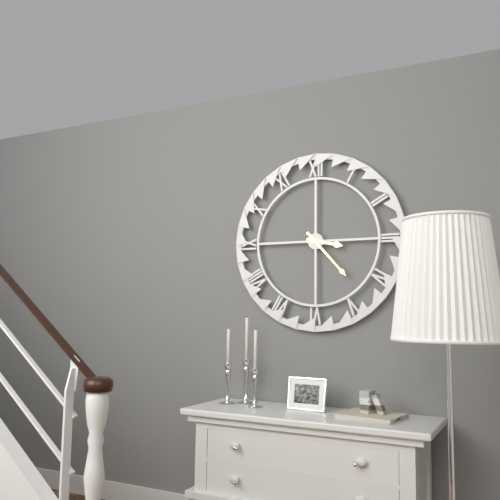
3:23
